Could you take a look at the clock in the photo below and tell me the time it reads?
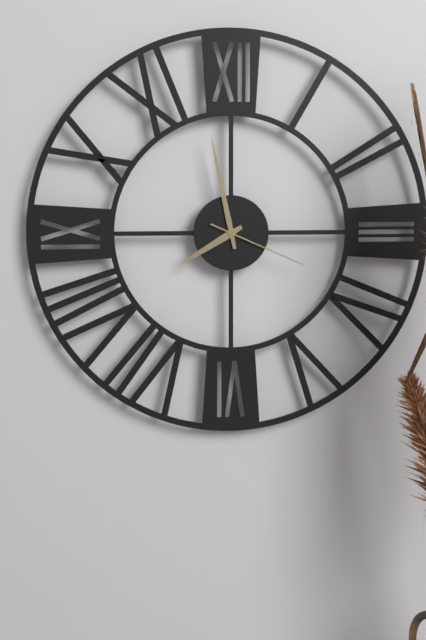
7:58:19
